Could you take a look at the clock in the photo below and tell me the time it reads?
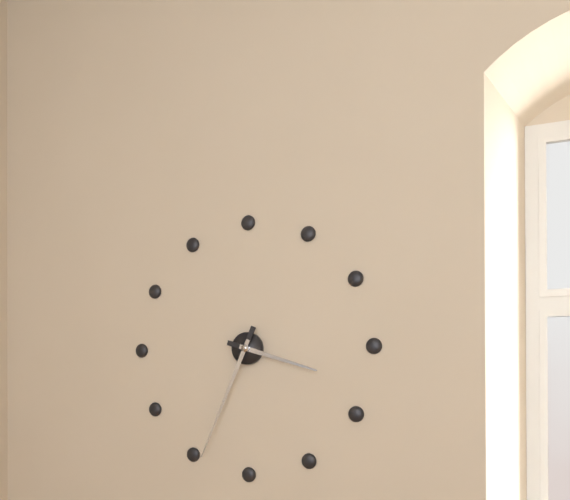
3:34
